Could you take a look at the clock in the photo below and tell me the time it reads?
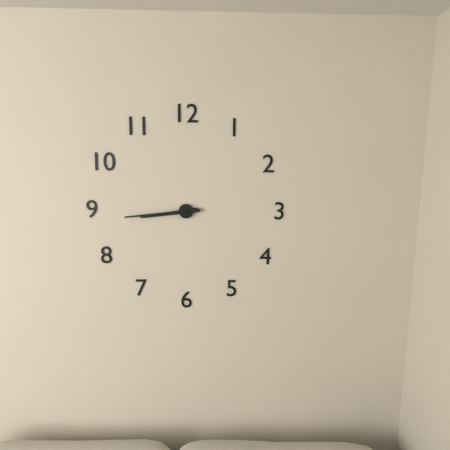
8:44
